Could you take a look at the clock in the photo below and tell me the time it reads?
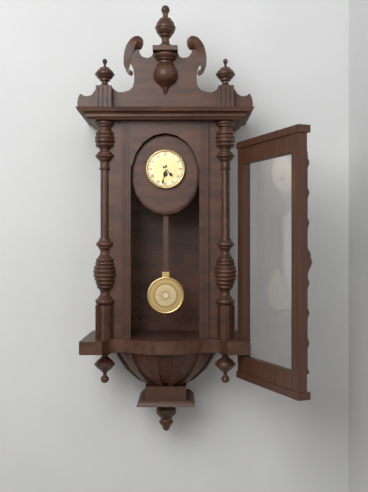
4:32
